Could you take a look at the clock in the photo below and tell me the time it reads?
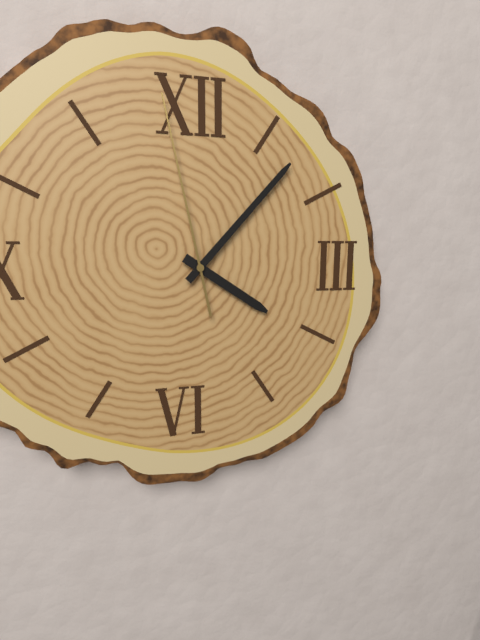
4:07:58
